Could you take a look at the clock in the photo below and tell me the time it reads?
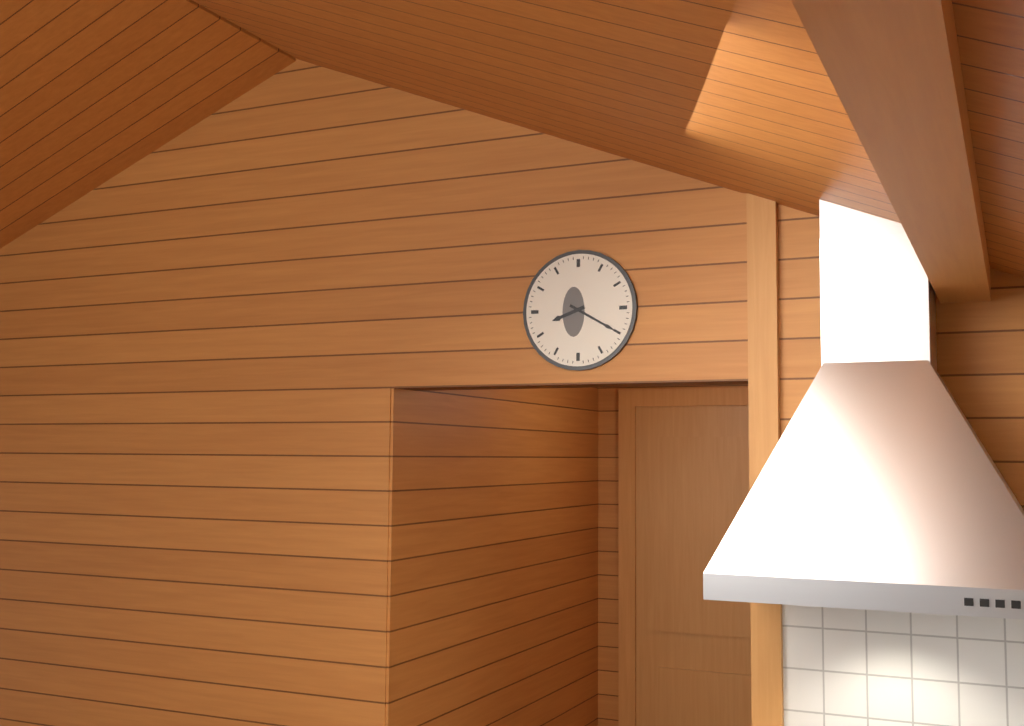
8:20
